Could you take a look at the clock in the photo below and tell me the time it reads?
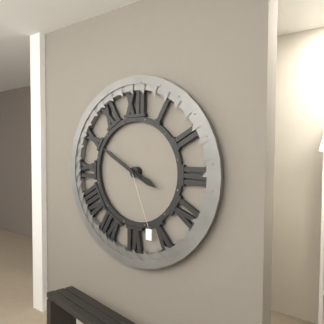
3:50
